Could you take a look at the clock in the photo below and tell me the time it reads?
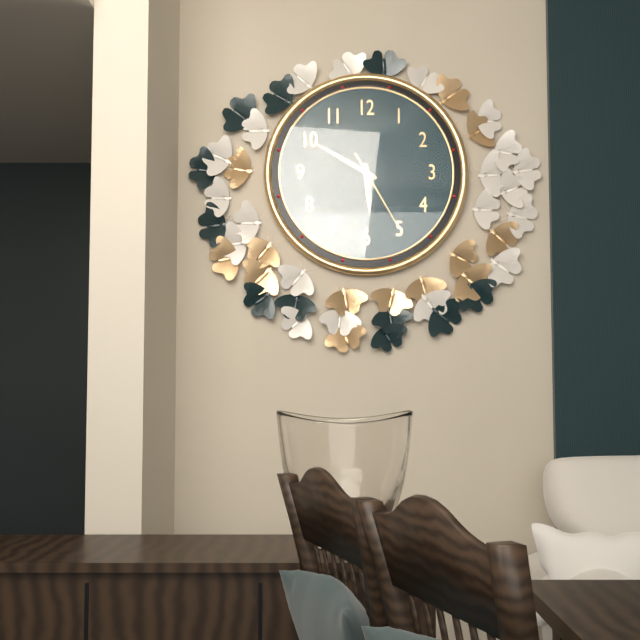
5:50:25
